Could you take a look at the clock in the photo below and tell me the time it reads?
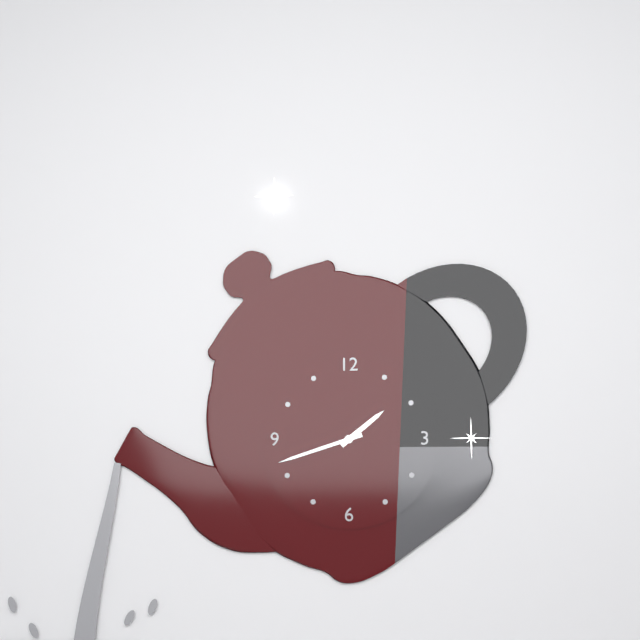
1:42
